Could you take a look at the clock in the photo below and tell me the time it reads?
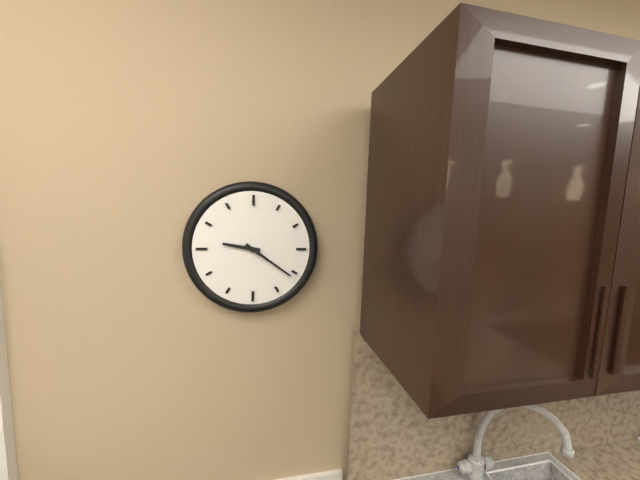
9:21
